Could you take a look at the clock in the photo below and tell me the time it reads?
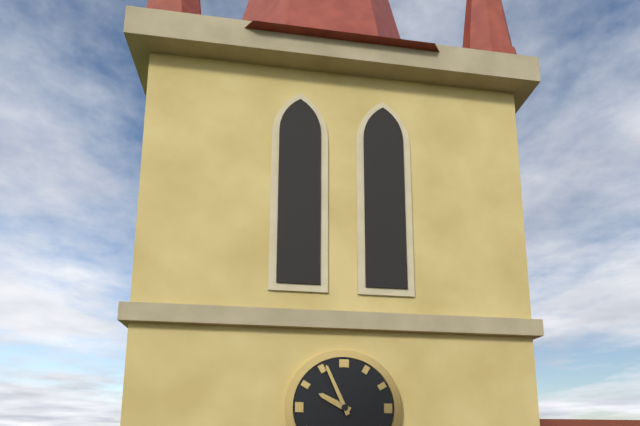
9:56
